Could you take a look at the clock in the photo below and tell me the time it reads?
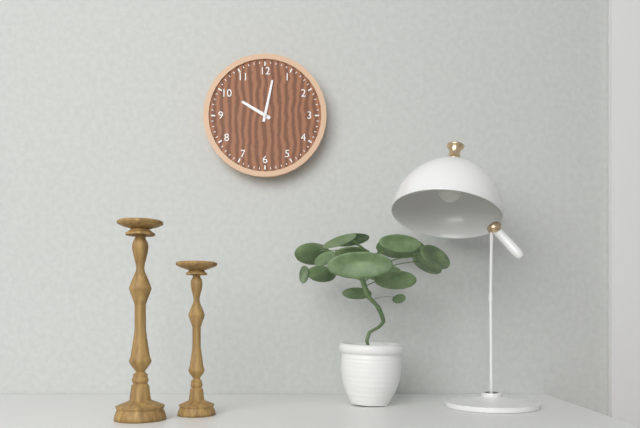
10:02
